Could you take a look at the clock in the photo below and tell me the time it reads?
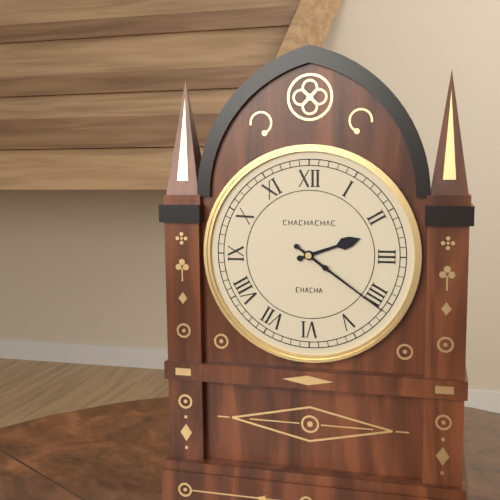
2:21
